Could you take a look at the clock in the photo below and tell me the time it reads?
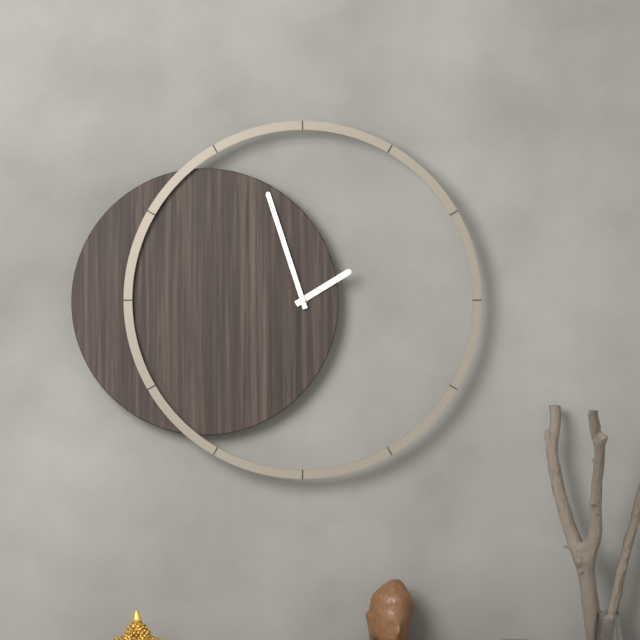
1:57
